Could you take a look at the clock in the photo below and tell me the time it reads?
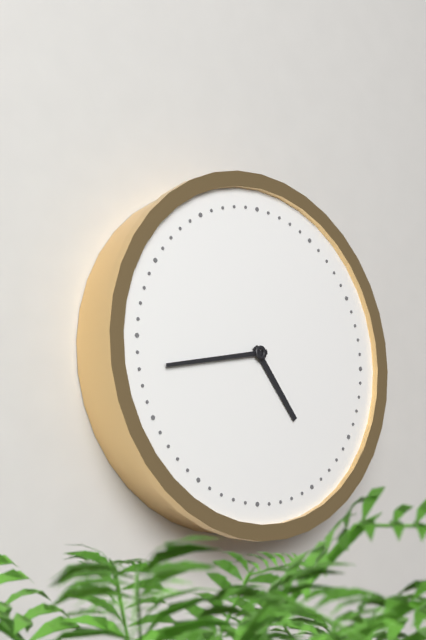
4:43
